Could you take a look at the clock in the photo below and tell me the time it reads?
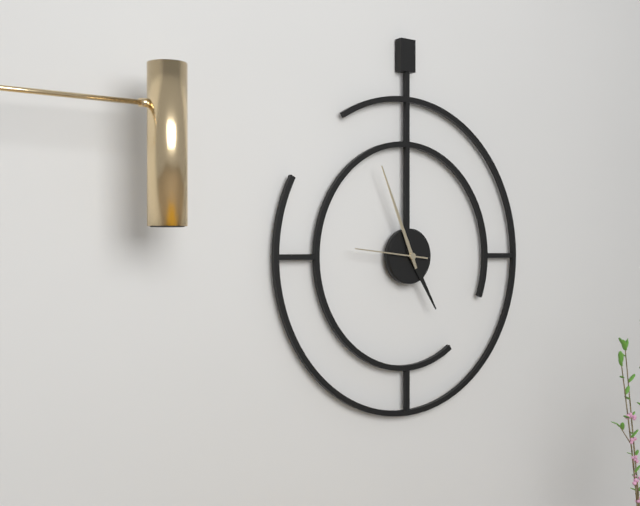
4:56:46
